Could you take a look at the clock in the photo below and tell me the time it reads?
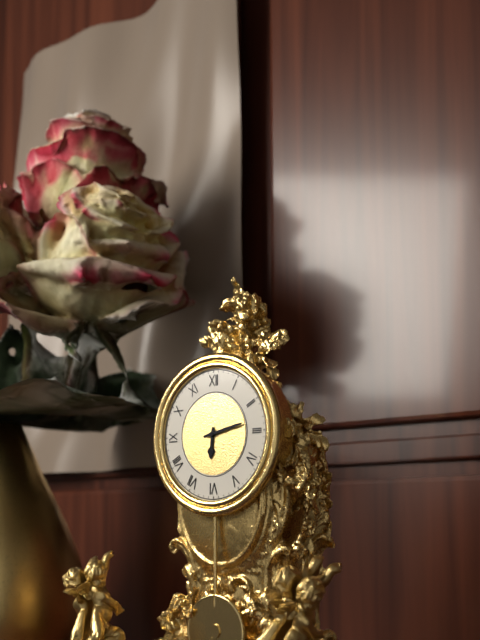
6:13
